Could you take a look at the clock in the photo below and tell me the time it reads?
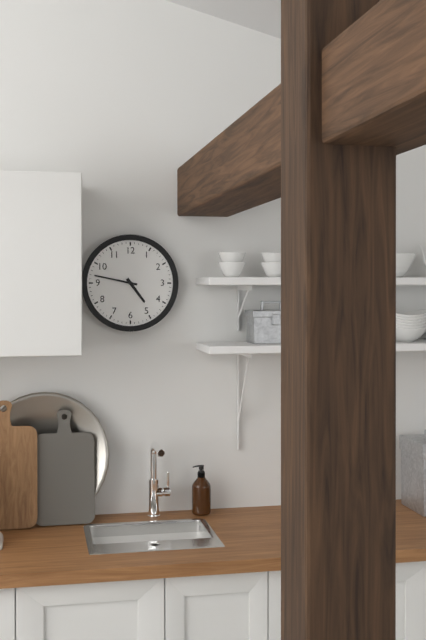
4:47
